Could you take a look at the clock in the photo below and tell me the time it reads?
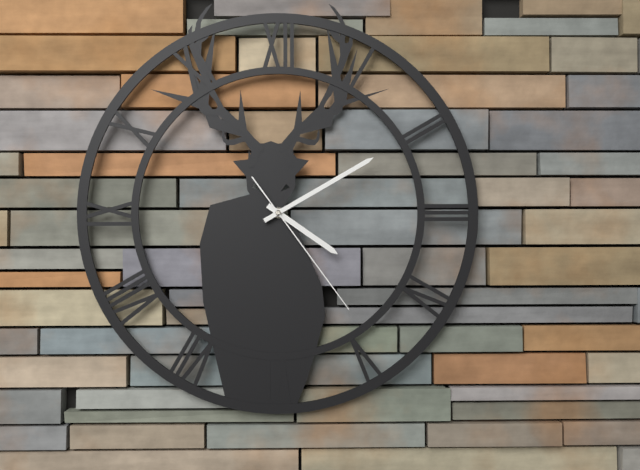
4:10:24
